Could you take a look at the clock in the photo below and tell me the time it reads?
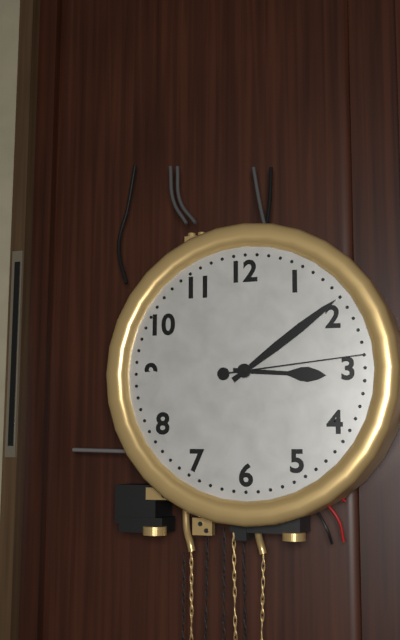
3:09:14
